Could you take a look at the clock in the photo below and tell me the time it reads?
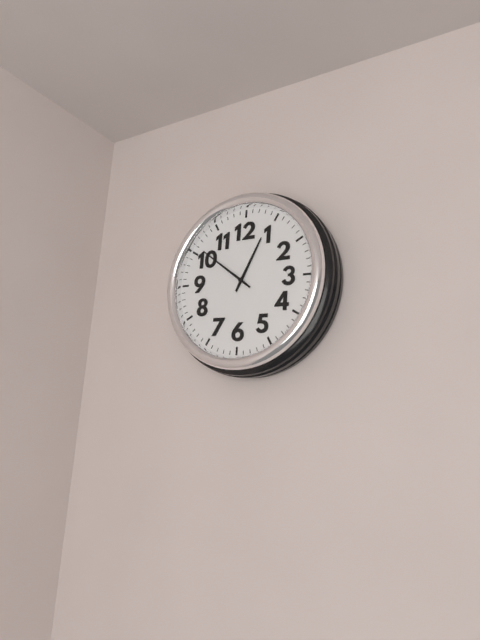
12:51
